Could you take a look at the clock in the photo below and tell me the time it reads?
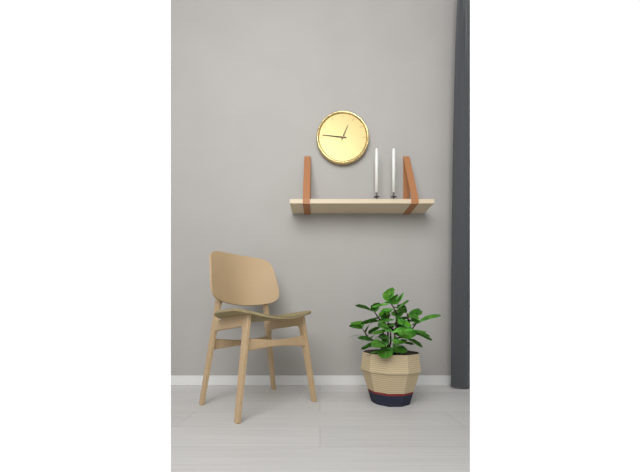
12:46
